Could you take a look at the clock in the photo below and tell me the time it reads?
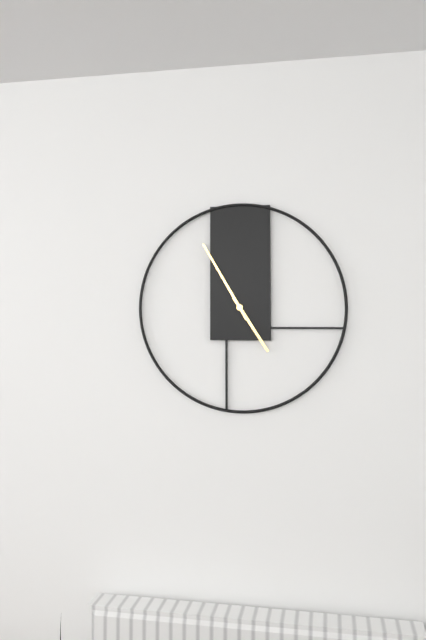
4:55
